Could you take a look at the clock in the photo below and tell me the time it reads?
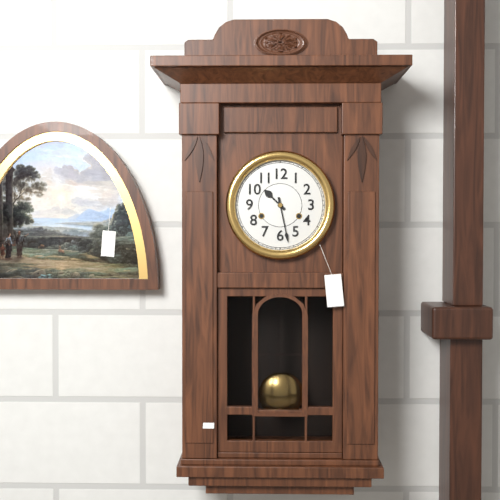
10:28
